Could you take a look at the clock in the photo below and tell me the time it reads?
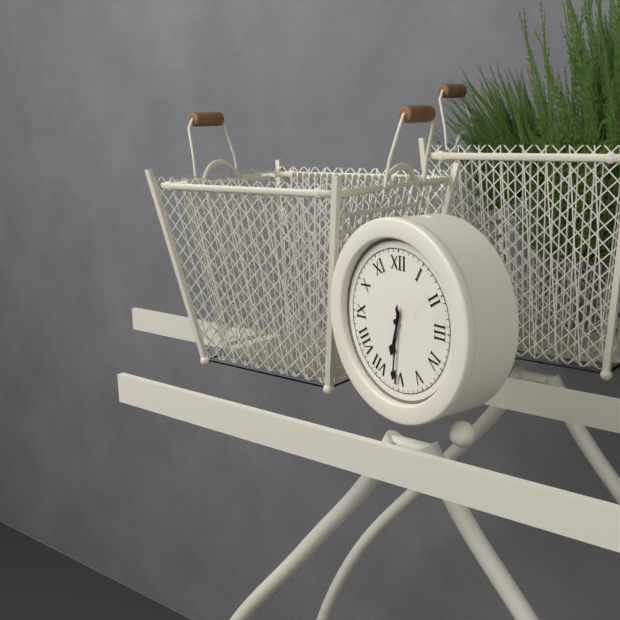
6:31
